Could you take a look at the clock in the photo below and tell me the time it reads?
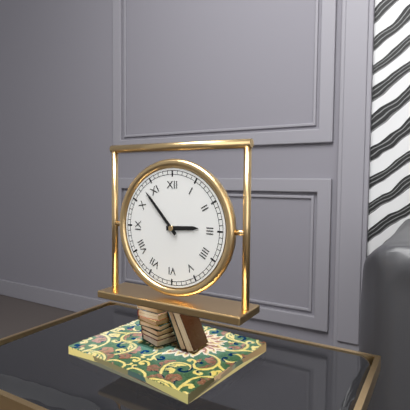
2:53
